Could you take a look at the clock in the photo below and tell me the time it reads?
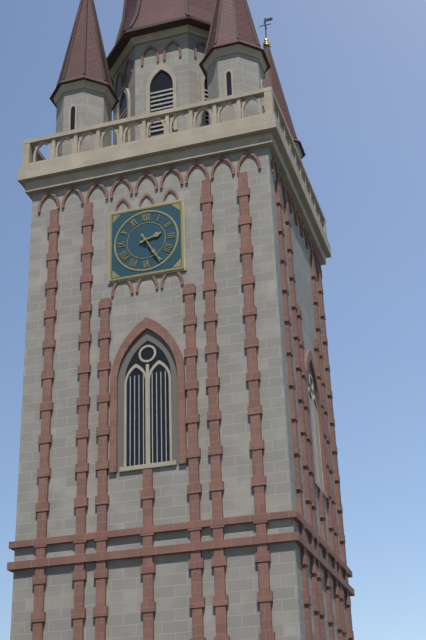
2:25
